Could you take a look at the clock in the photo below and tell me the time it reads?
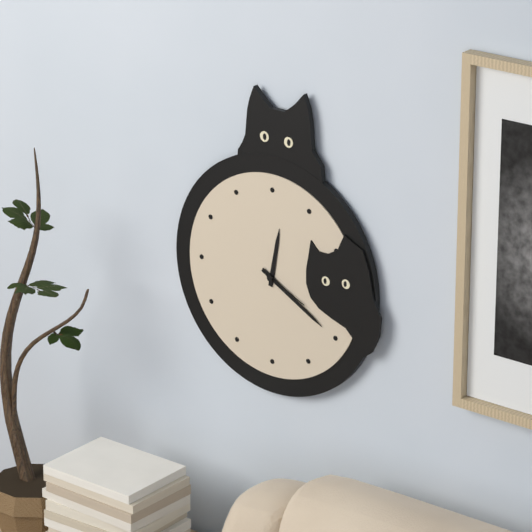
12:20:19
